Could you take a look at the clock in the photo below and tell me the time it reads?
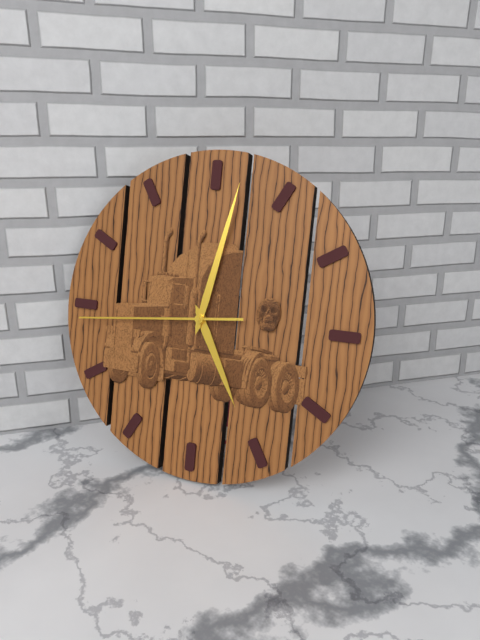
5:02:44
